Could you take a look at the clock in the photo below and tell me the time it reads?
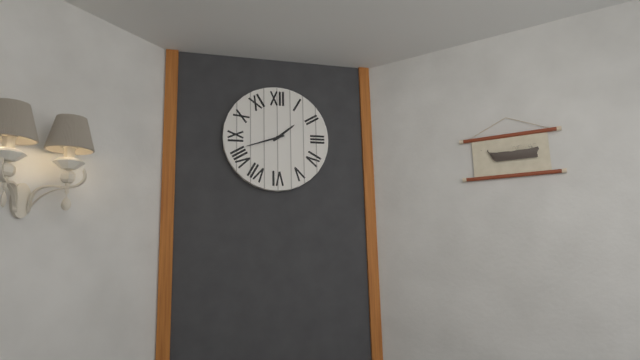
1:42
